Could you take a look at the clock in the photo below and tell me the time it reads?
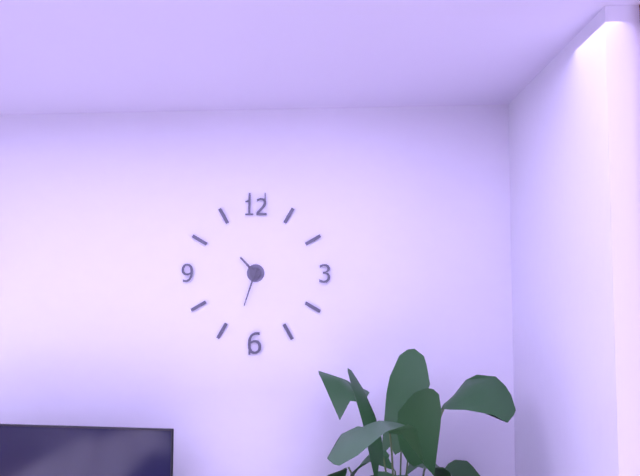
10:33
